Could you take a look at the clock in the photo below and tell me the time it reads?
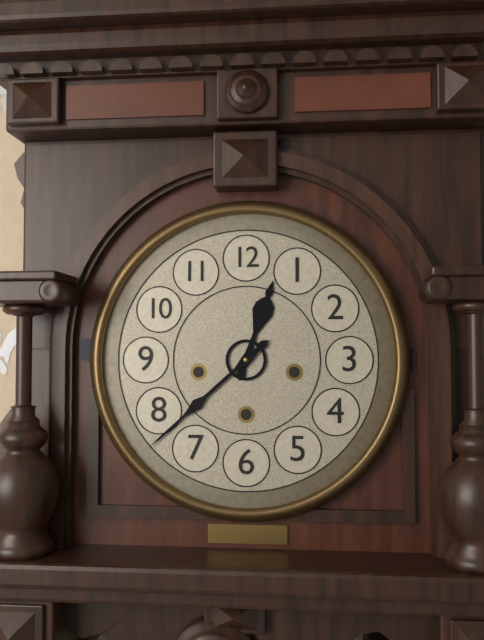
12:38
